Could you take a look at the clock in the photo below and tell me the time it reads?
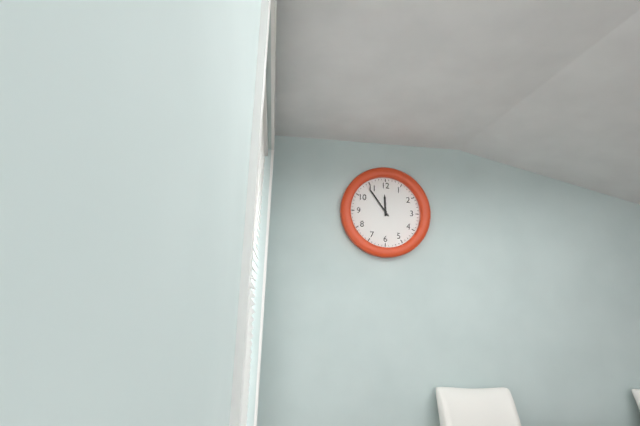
11:54
